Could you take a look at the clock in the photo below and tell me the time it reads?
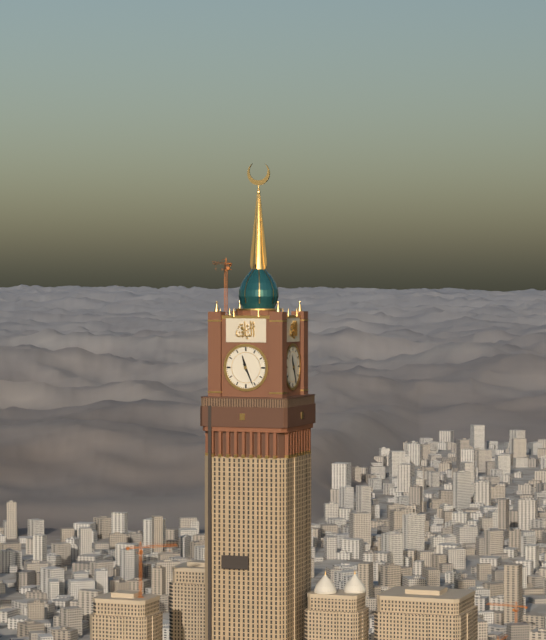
11:26
